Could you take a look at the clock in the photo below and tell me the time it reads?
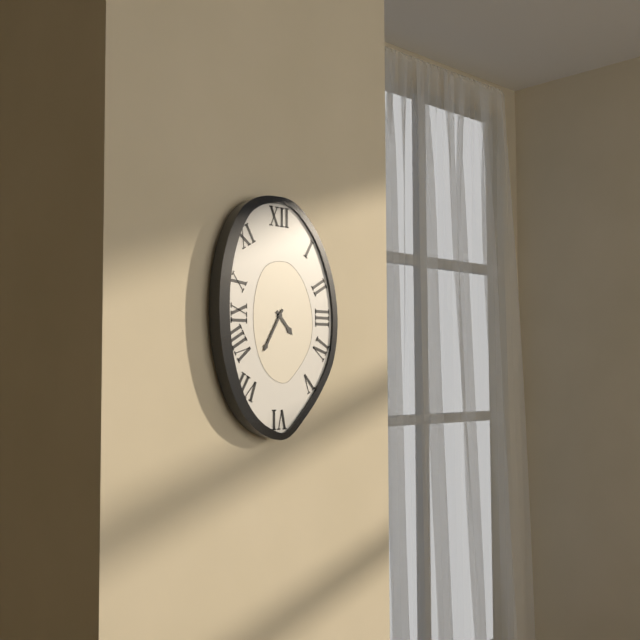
4:35
